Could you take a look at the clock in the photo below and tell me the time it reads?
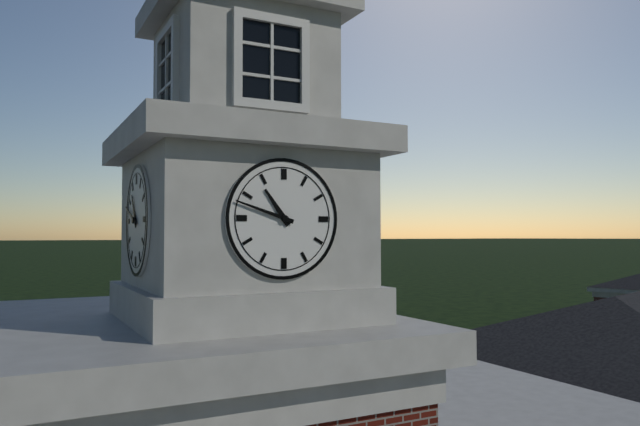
10:48
